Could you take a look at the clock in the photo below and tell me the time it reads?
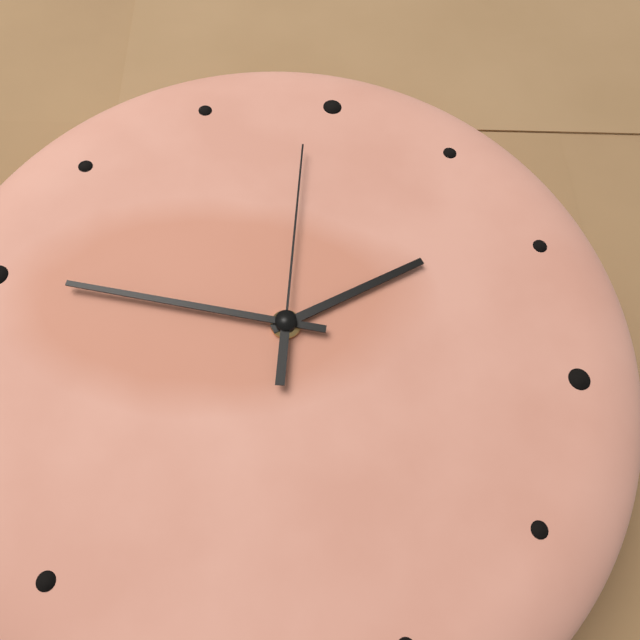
1:45:59
